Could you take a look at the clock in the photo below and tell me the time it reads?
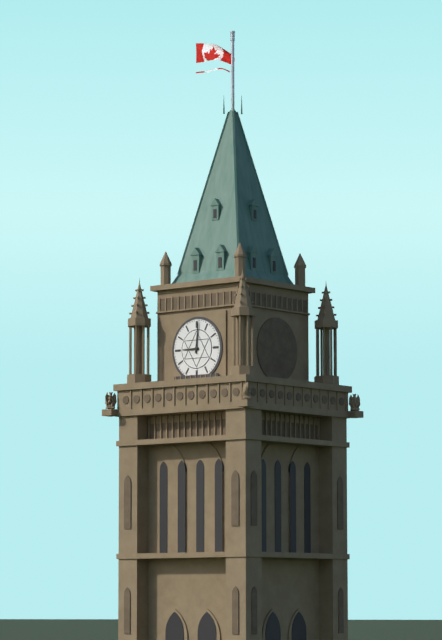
9:01
